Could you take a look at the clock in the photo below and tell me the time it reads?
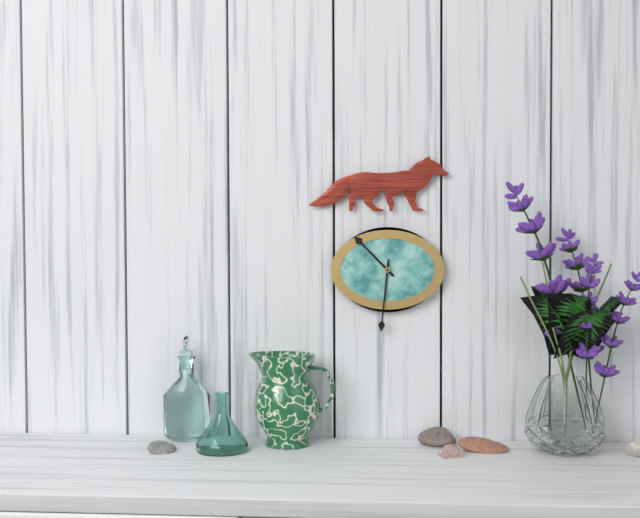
10:31
